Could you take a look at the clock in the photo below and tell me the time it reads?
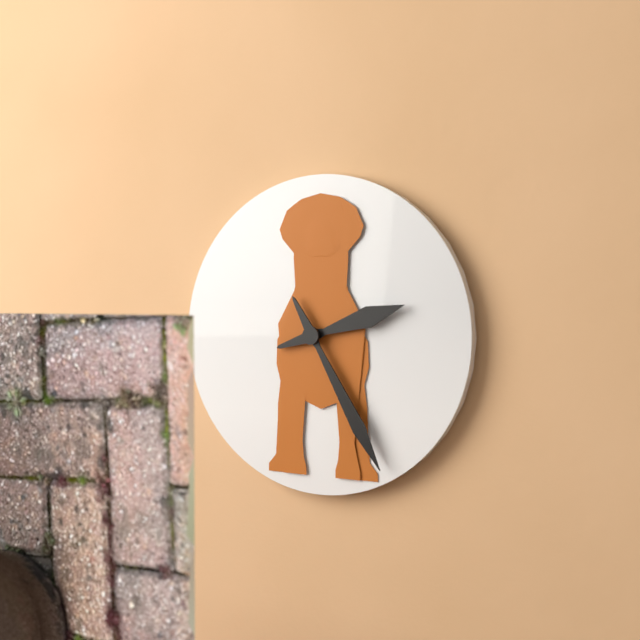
2:25
